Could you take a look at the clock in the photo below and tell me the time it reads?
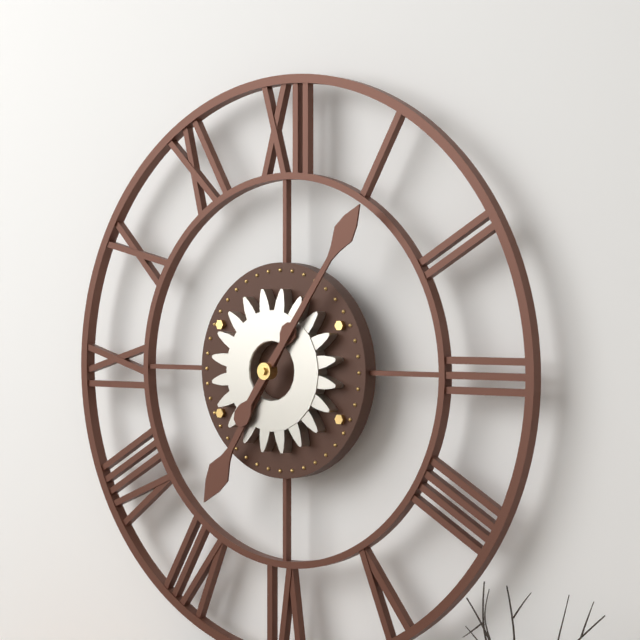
7:06
